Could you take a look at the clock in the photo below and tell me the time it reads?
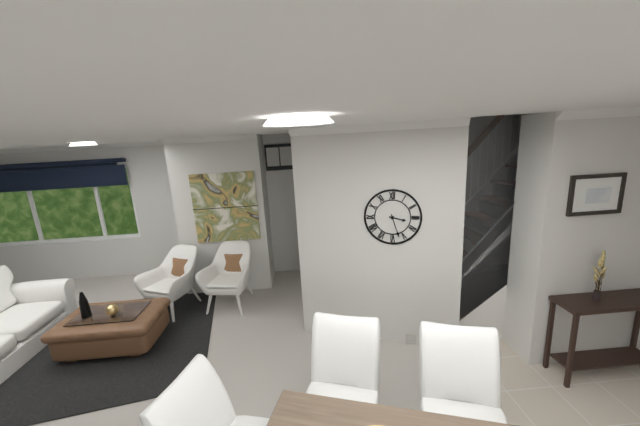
3:27
